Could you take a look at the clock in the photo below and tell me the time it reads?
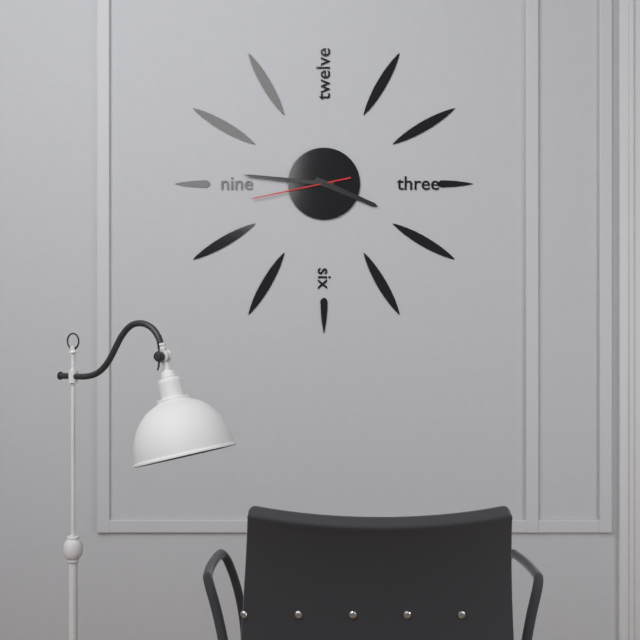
3:46:43
